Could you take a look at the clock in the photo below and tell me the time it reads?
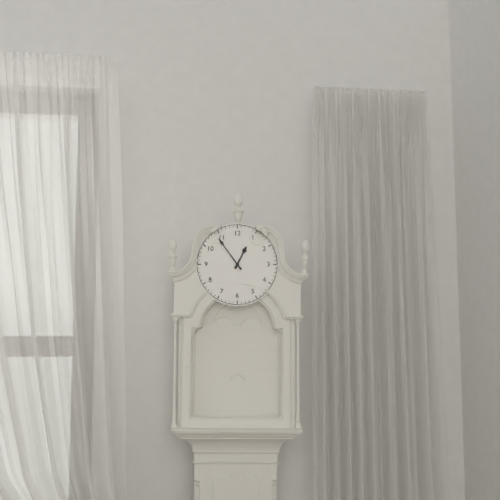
12:54
